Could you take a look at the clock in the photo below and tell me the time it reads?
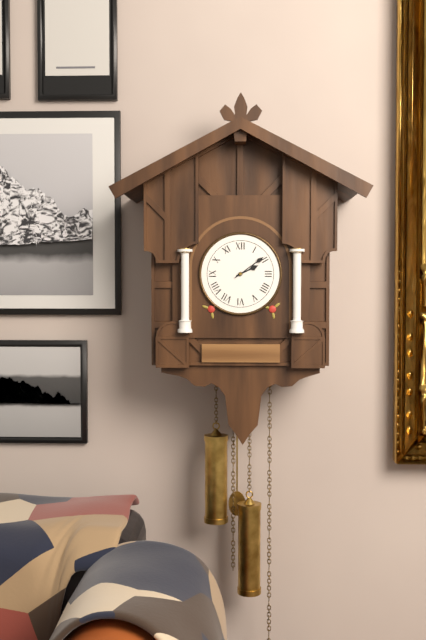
2:09
